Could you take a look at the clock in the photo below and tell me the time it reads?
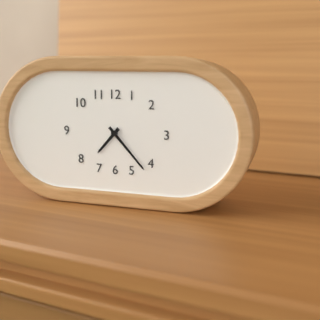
7:23
